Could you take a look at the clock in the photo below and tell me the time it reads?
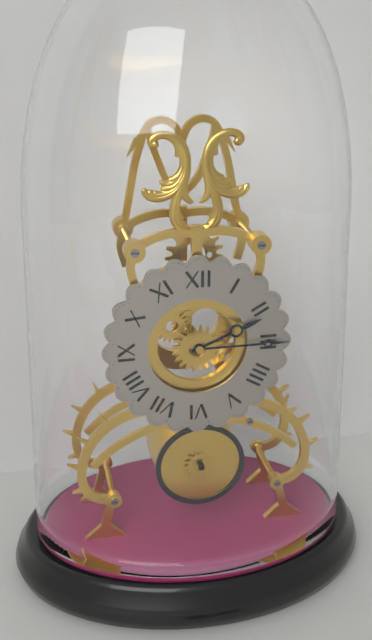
2:15
